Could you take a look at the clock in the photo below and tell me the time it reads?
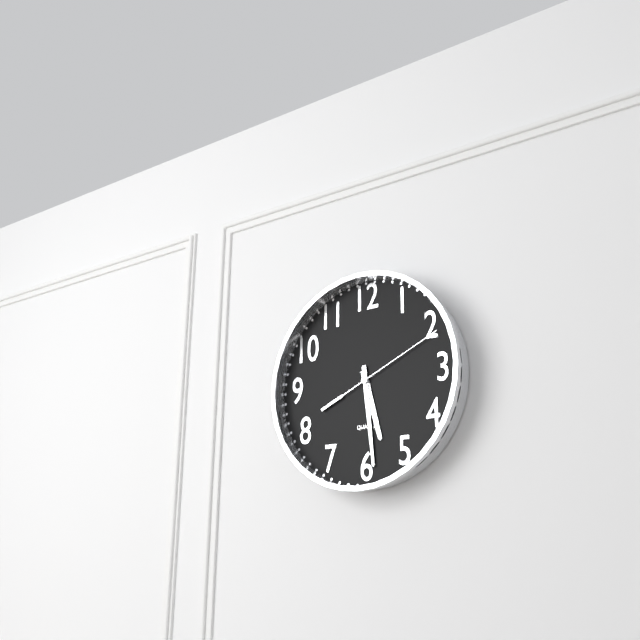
5:29:11
